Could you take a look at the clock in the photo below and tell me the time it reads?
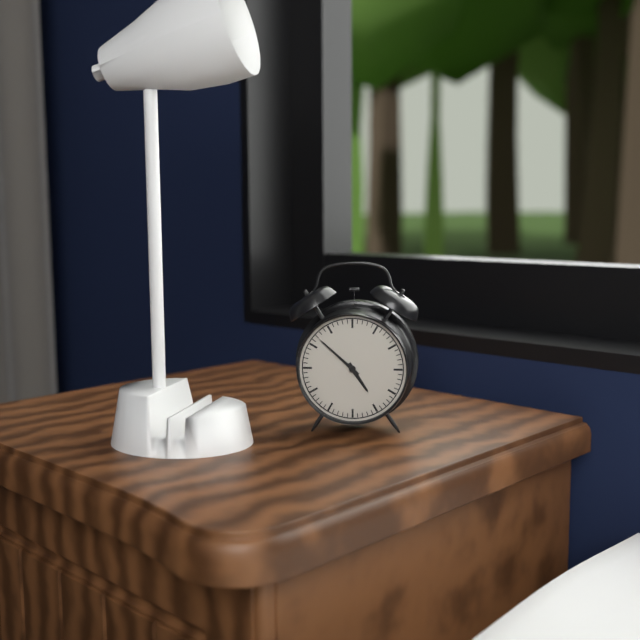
4:52
